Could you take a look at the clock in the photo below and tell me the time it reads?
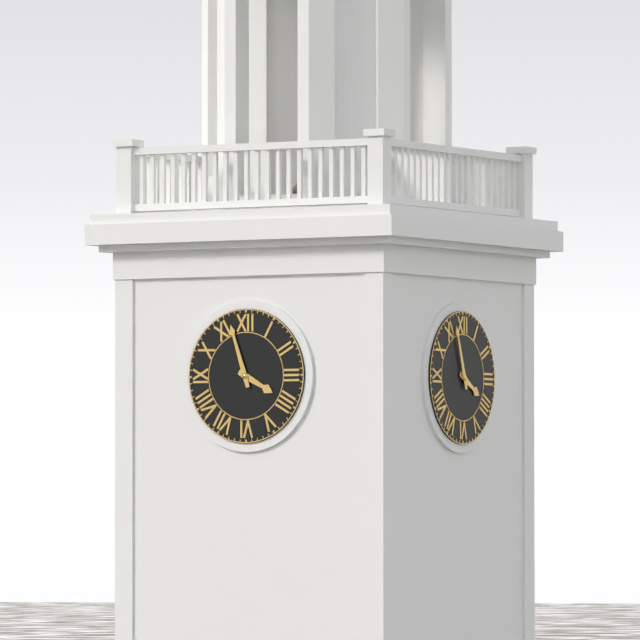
3:57
